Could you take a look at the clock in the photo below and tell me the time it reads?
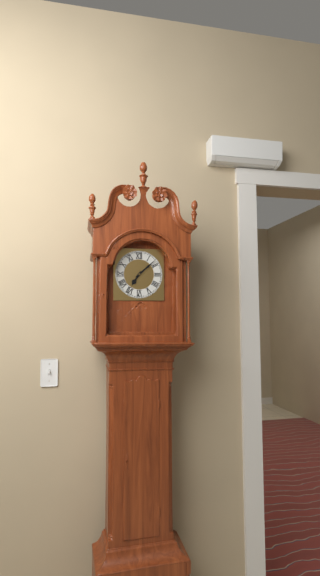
7:08
